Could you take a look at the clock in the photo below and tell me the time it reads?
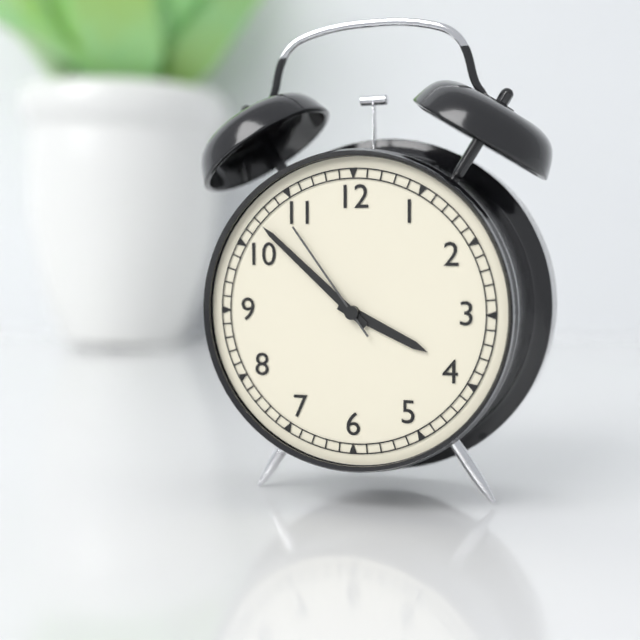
3:52:54
